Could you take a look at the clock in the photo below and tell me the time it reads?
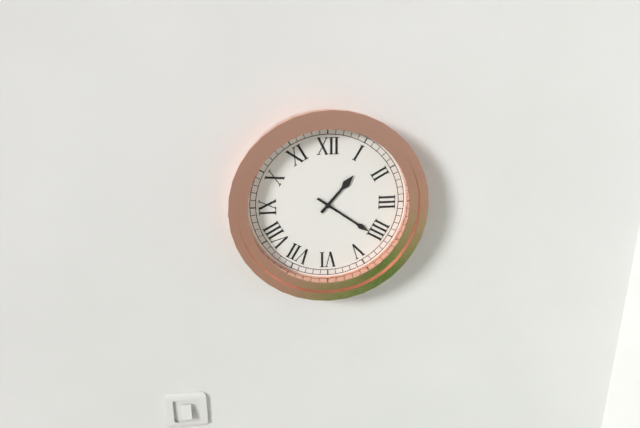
1:21
